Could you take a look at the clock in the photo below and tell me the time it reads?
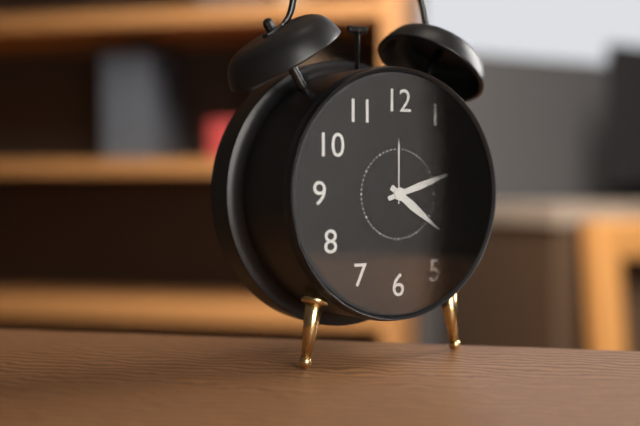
4:12
